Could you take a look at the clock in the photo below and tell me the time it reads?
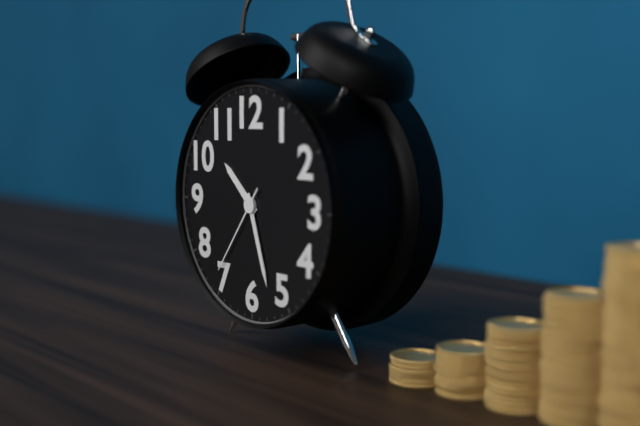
10:27:36
